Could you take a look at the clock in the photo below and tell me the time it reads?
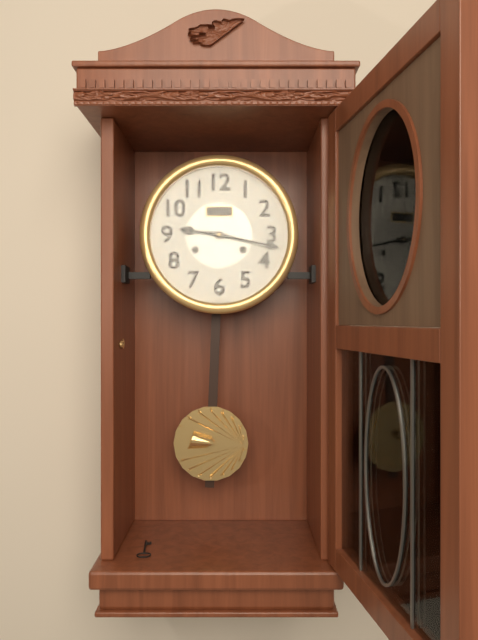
9:17
